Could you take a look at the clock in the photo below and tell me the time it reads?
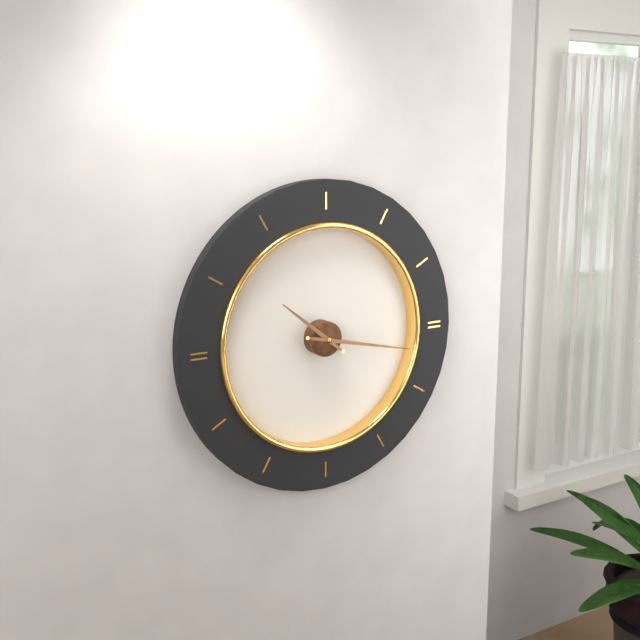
10:17
